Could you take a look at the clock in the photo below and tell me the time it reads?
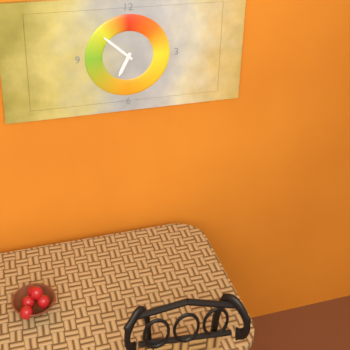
6:52
